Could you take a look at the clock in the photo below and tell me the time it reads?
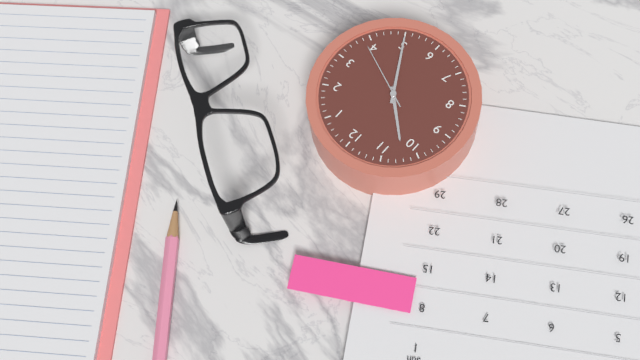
10:25:19
